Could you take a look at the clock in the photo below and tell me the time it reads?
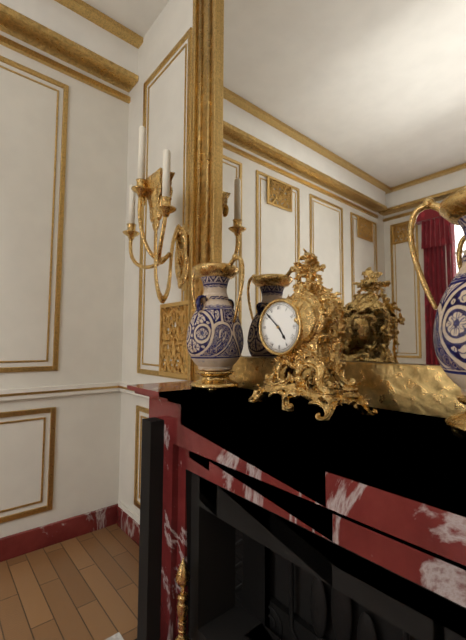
4:52
